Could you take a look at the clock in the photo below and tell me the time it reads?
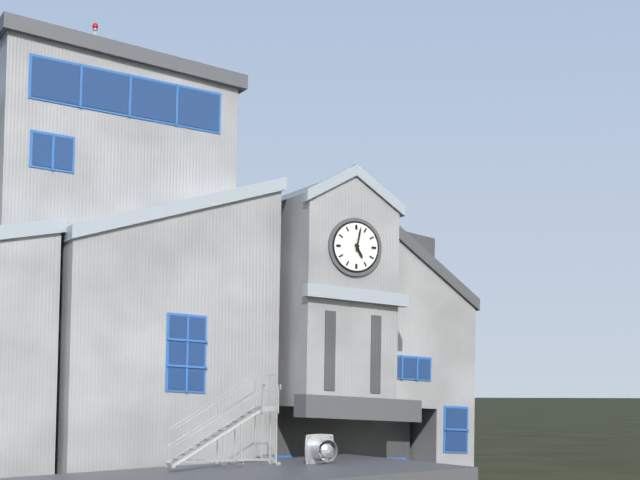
5:02
